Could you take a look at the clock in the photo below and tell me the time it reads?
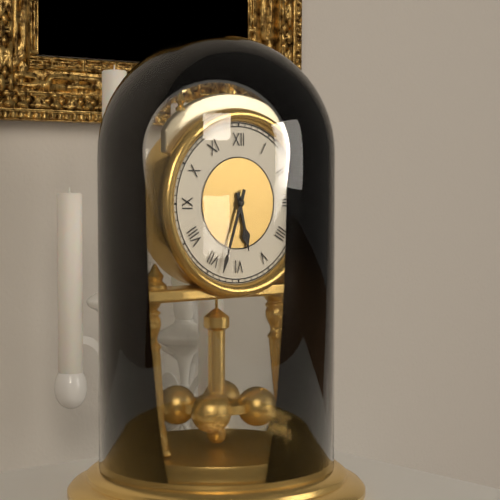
5:33
